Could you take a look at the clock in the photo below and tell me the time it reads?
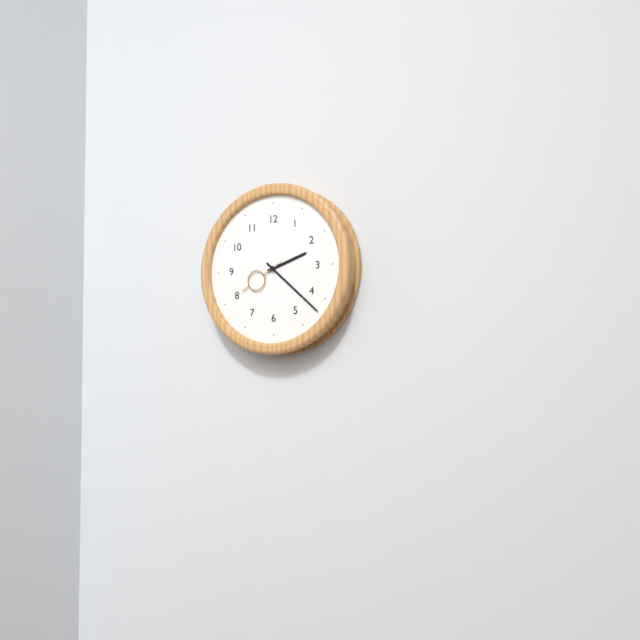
2:22:40
